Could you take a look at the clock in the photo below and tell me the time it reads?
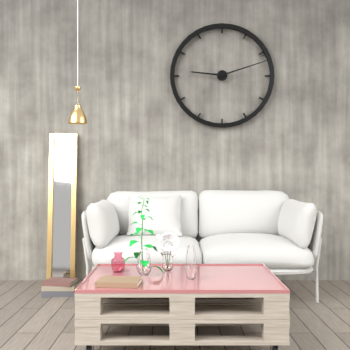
9:12
